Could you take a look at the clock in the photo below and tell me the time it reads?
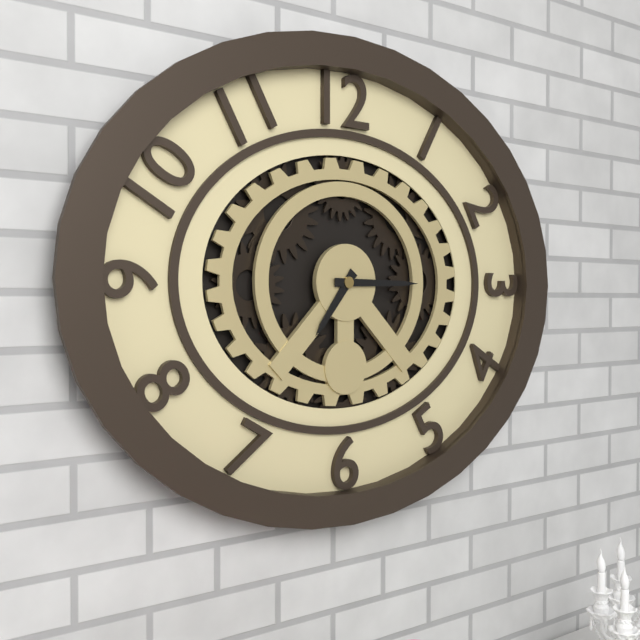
7:15
